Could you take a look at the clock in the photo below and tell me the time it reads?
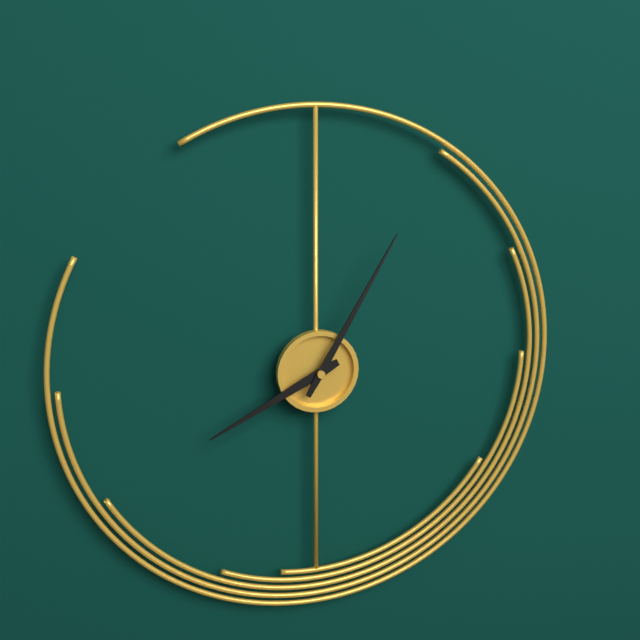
8:05
